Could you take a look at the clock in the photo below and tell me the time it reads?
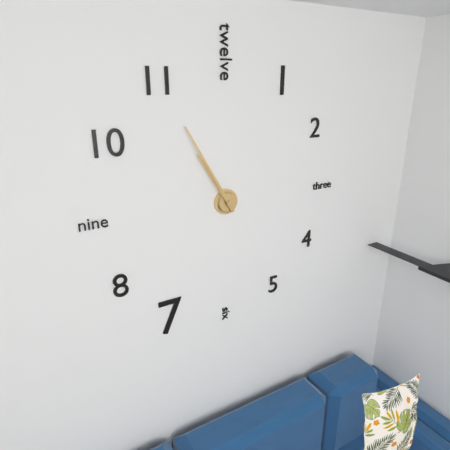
10:55
